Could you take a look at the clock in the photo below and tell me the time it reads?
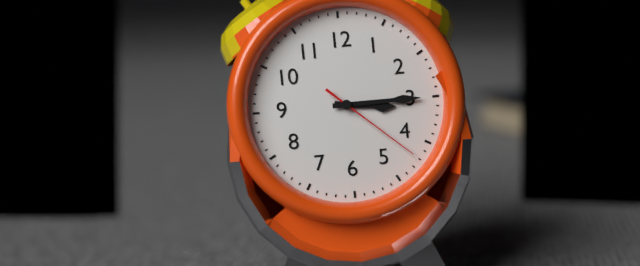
3:15:22
